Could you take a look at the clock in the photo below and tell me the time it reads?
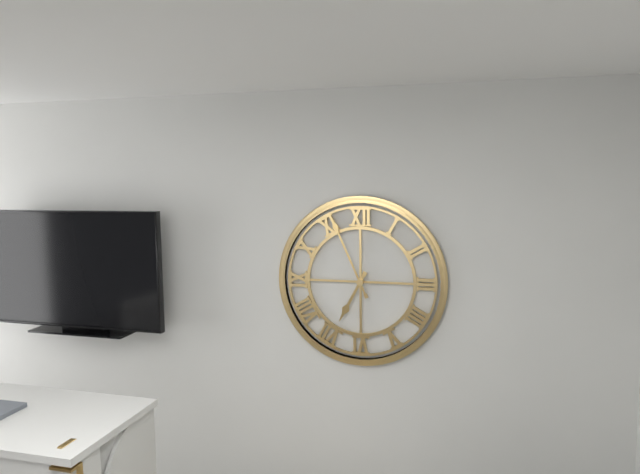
6:56
